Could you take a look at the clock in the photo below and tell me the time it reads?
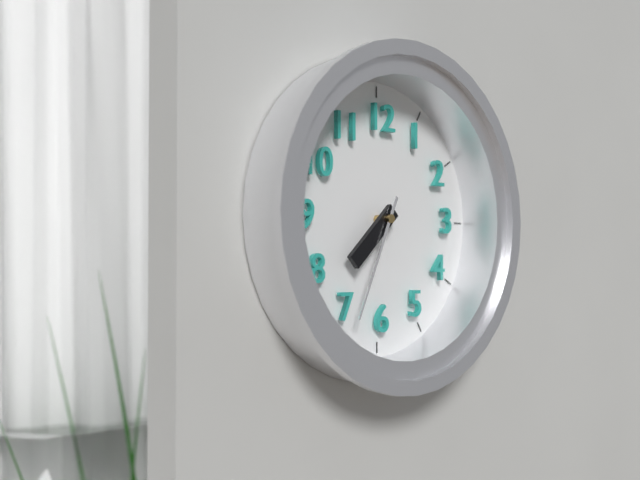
7:34
